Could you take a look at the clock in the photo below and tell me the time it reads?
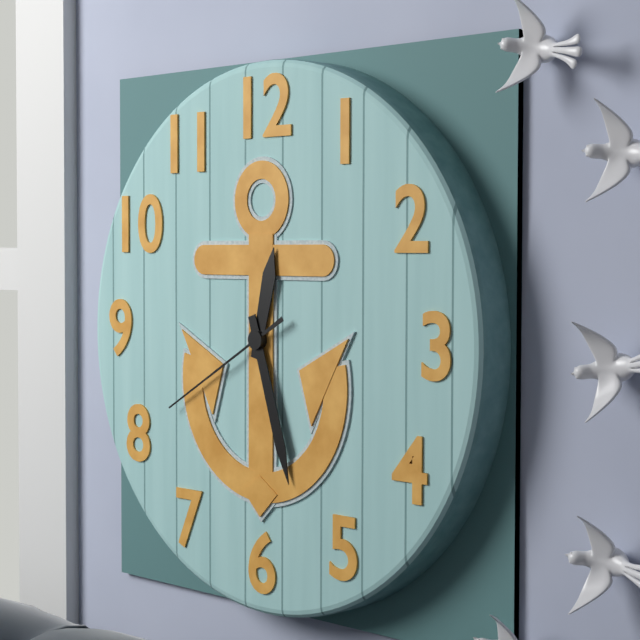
12:27:40
